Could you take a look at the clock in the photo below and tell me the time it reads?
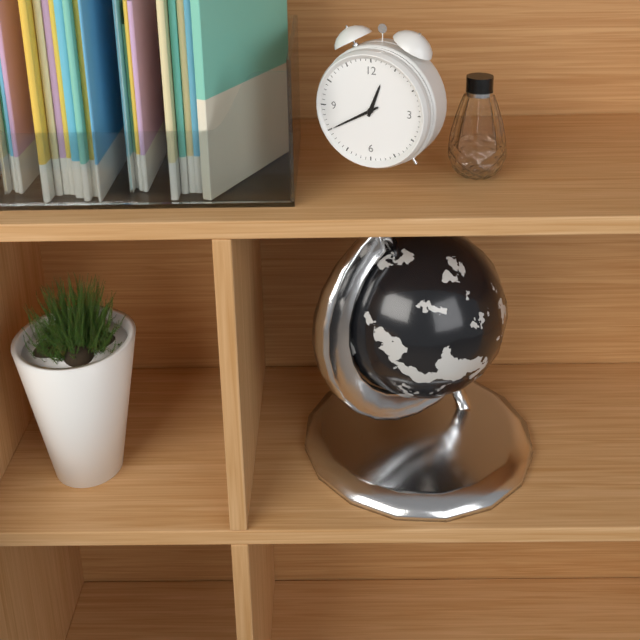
12:40
